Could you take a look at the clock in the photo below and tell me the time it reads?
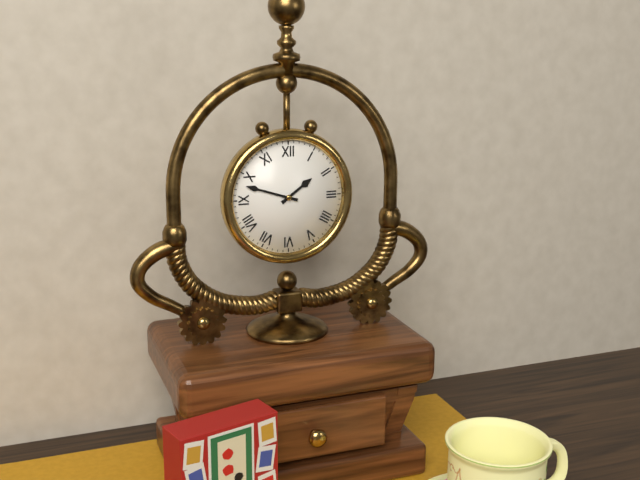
1:48
